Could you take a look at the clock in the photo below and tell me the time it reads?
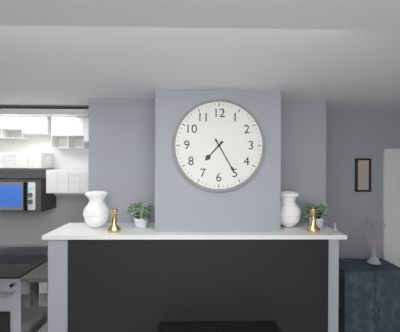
7:25
